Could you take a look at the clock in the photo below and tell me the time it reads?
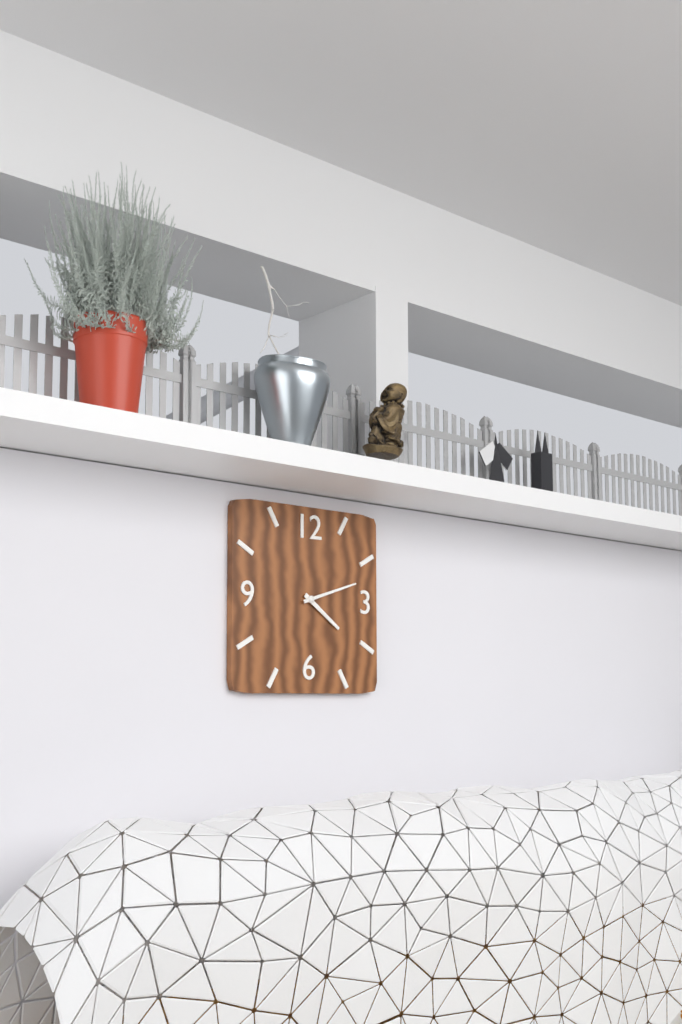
4:12
